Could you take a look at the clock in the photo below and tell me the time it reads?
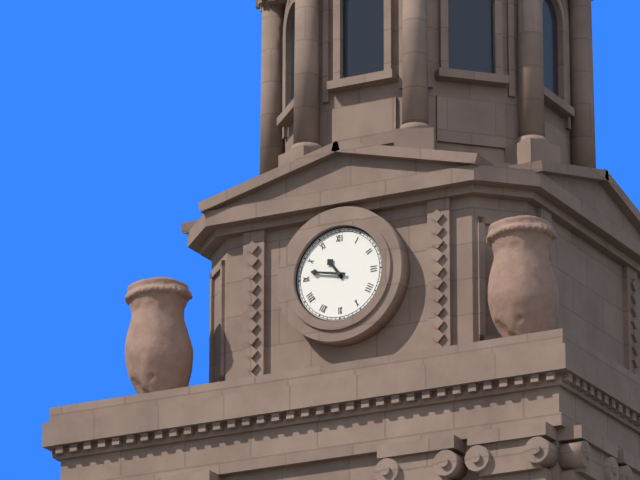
10:47
